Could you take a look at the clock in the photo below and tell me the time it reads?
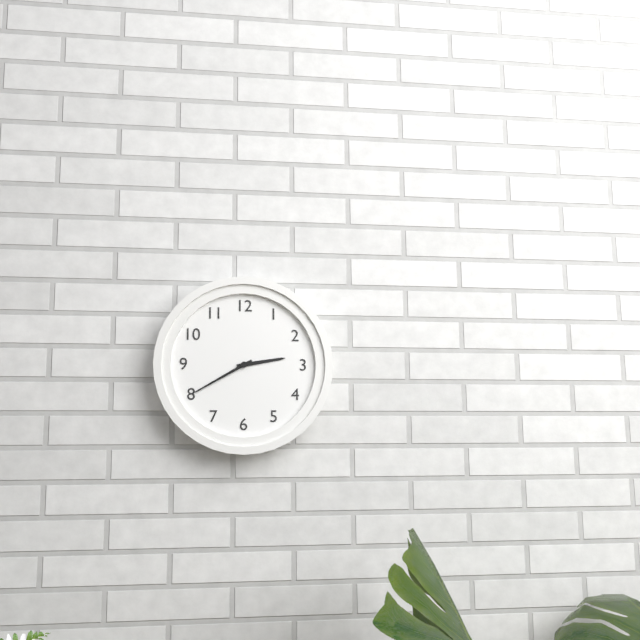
2:40
